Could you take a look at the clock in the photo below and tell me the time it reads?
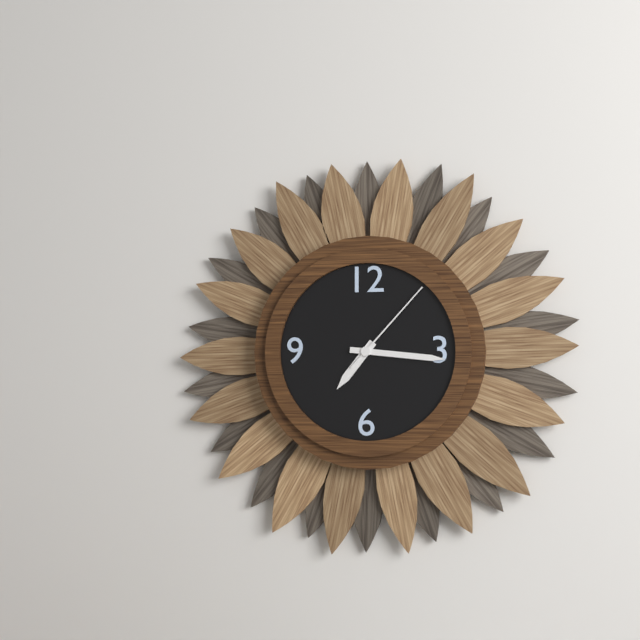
7:16:07
